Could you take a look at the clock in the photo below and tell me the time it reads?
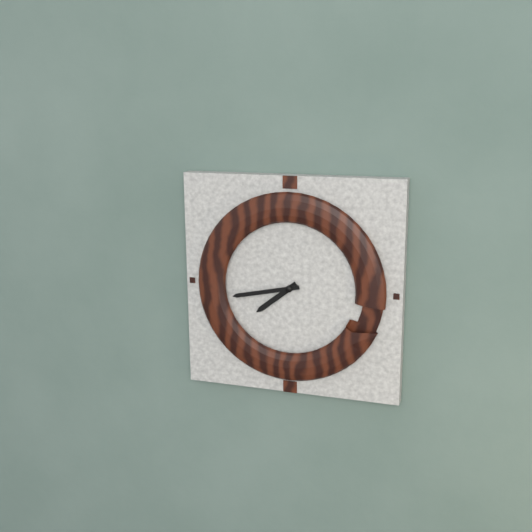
7:43
